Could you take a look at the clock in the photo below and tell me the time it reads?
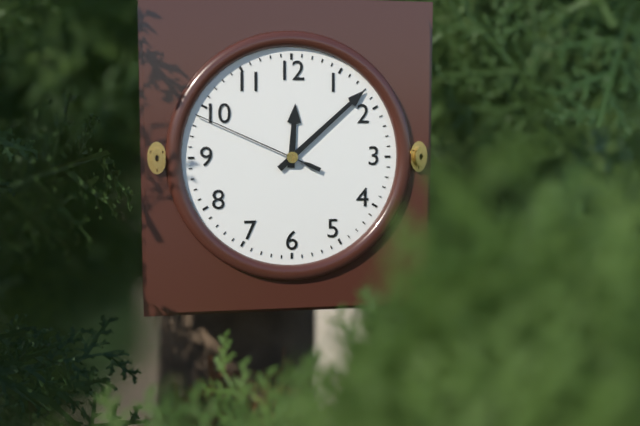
12:08:49
